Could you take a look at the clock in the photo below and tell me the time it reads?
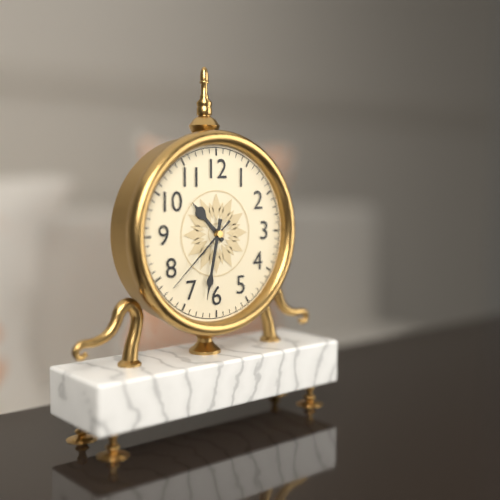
10:32:38
